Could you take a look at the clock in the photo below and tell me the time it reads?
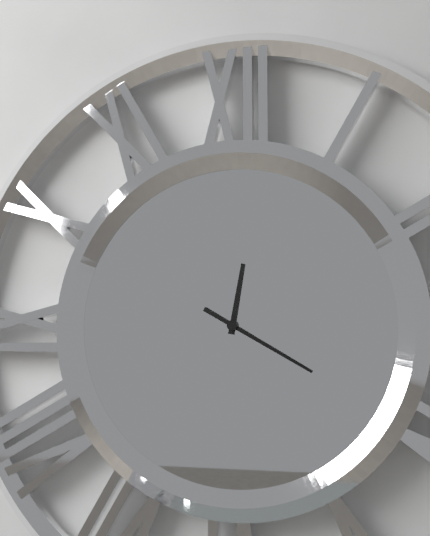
12:20
